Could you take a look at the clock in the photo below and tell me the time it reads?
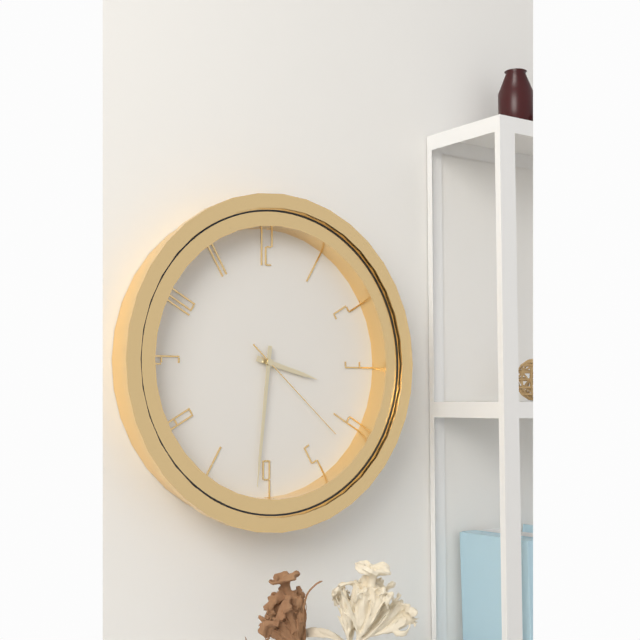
3:31:22
